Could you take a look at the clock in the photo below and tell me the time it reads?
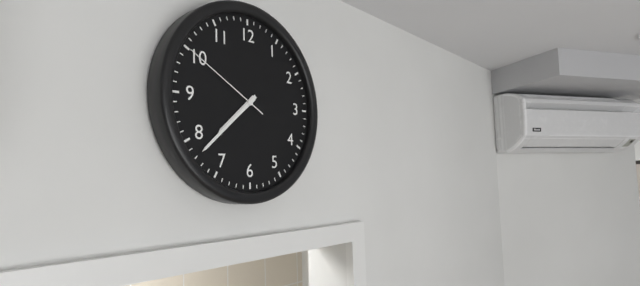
7:38:50
